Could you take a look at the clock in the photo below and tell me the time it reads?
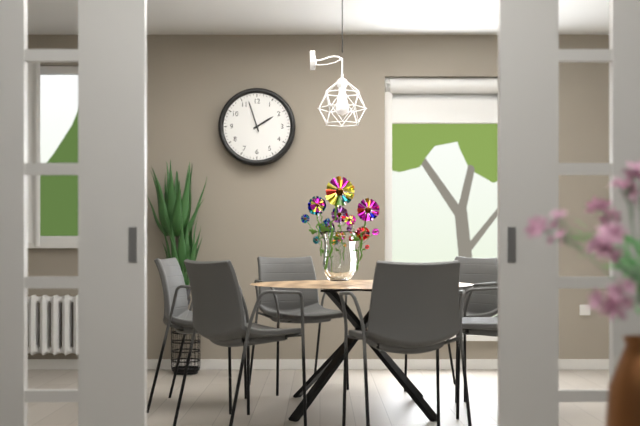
1:57
